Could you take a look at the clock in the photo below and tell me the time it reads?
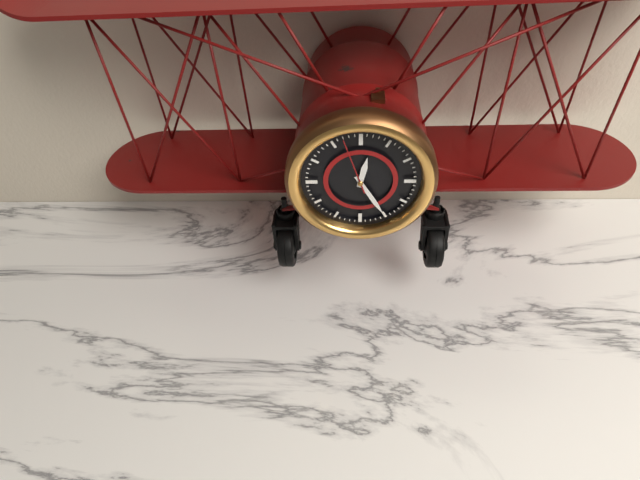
12:25:57
